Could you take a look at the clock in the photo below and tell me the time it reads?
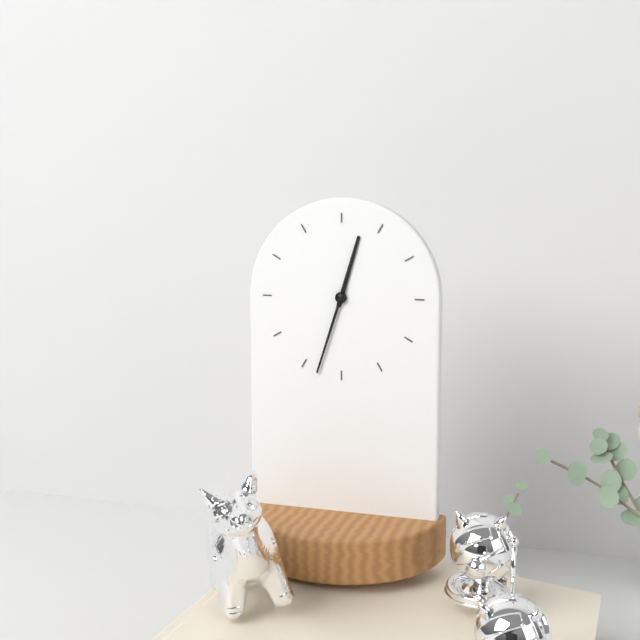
12:33
